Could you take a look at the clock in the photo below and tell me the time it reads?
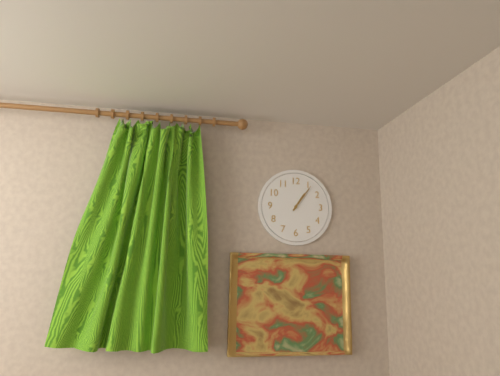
1:06
